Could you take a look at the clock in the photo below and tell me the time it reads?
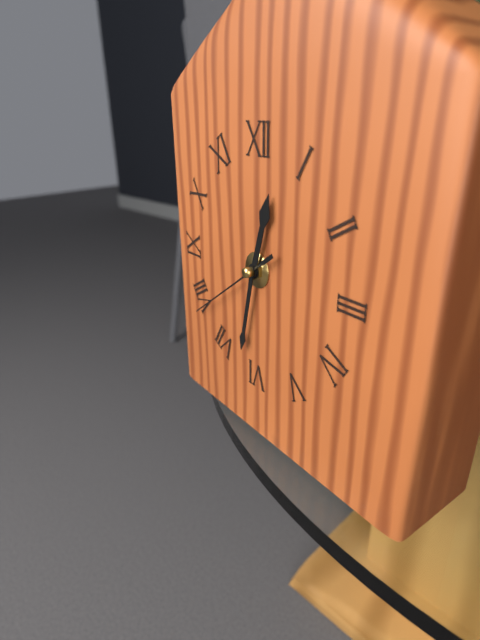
12:32:39
